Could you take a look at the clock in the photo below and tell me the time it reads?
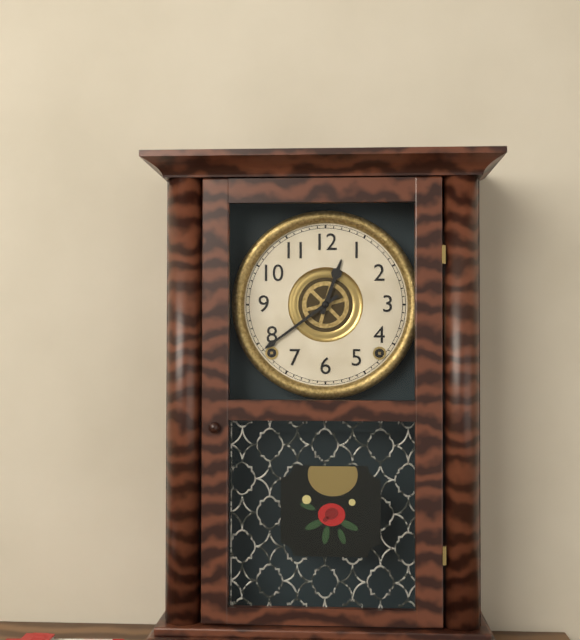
12:39
